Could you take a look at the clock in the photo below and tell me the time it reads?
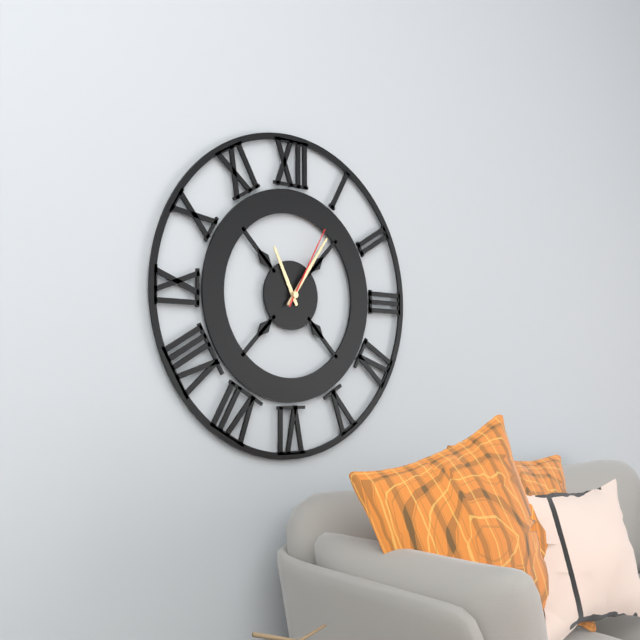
11:06:05
